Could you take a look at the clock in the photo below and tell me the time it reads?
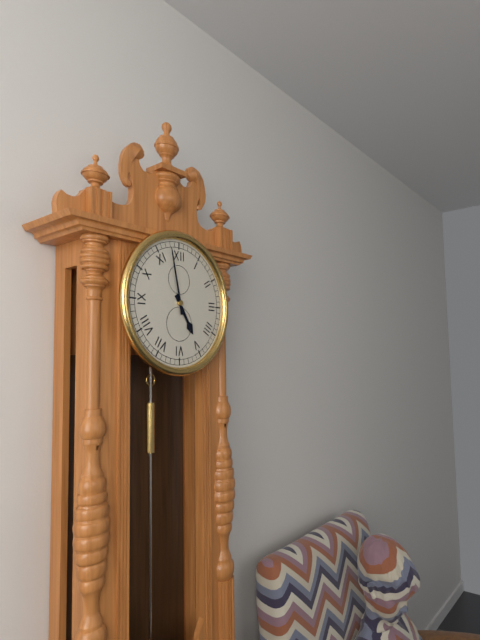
4:58
